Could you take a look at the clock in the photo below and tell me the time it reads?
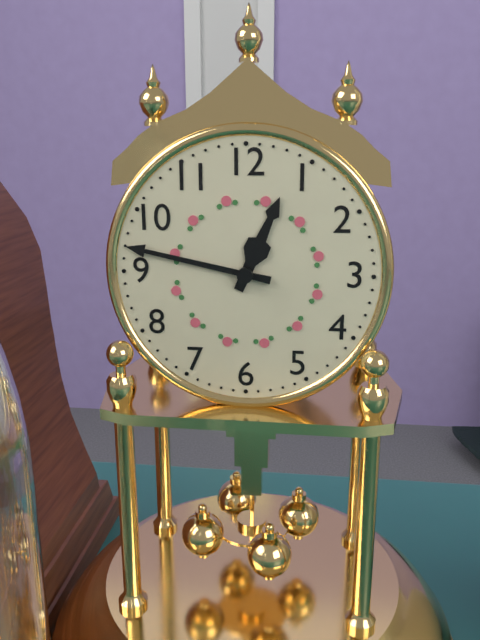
12:47
